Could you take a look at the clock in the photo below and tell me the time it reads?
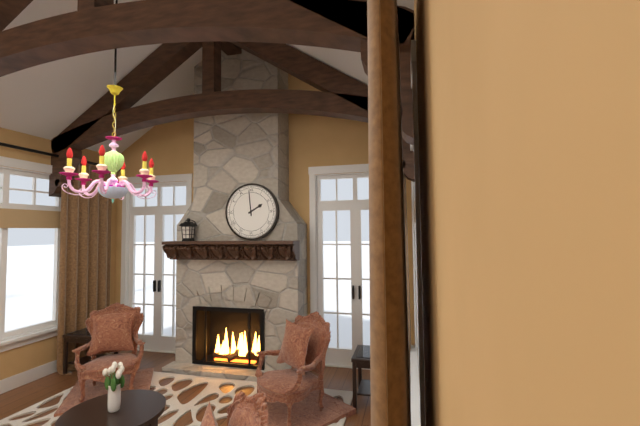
1:59
